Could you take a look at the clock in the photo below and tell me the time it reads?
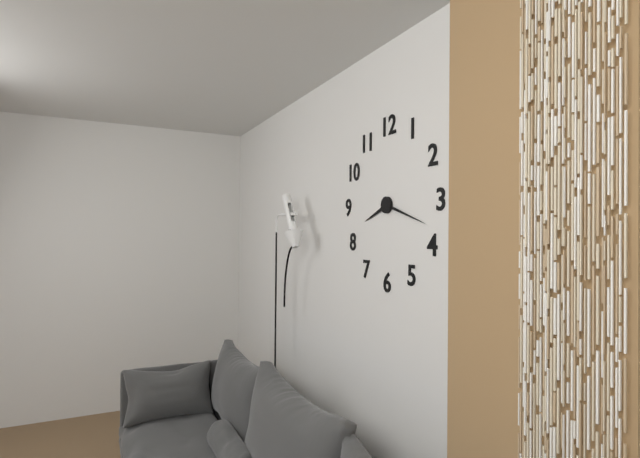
8:18
